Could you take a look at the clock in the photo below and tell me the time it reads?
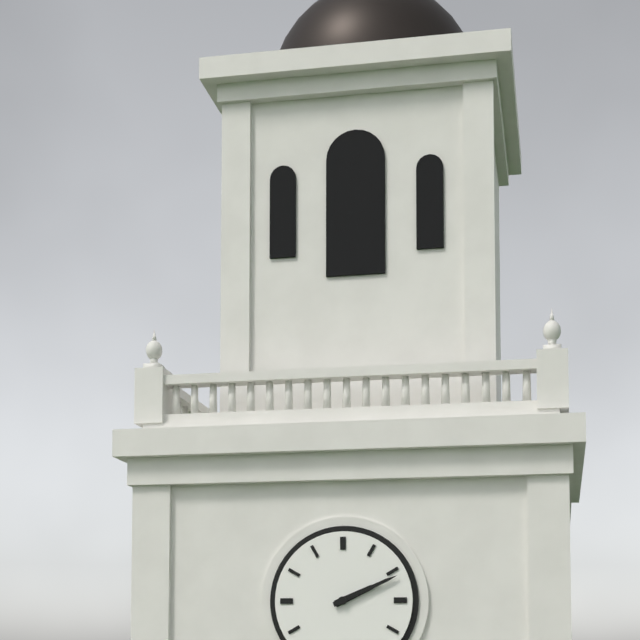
2:11
